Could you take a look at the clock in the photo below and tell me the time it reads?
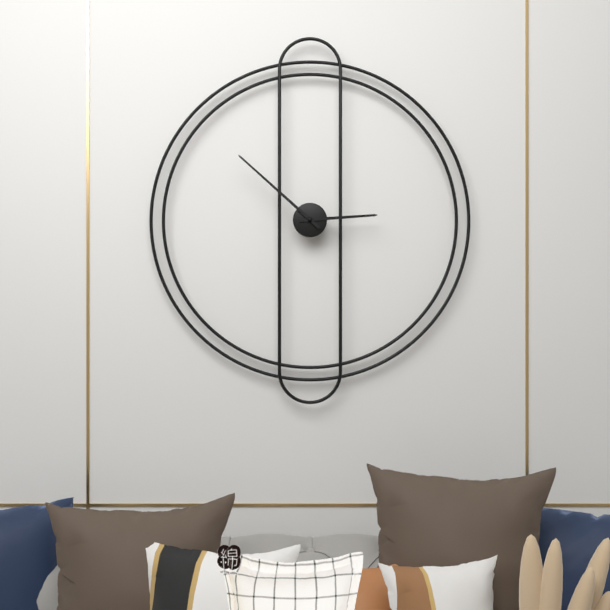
2:52
